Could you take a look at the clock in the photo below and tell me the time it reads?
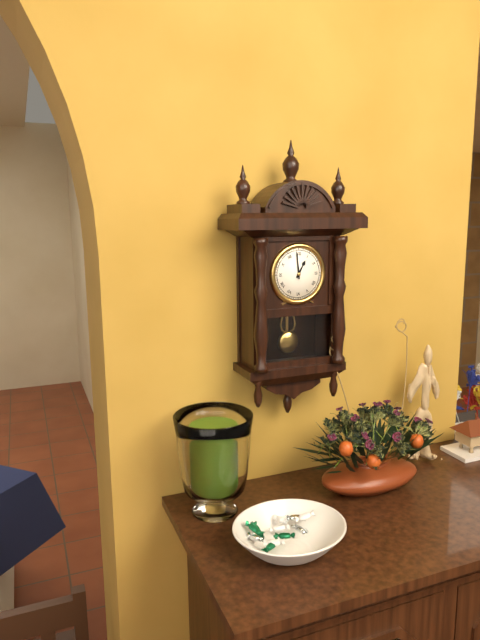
12:59
